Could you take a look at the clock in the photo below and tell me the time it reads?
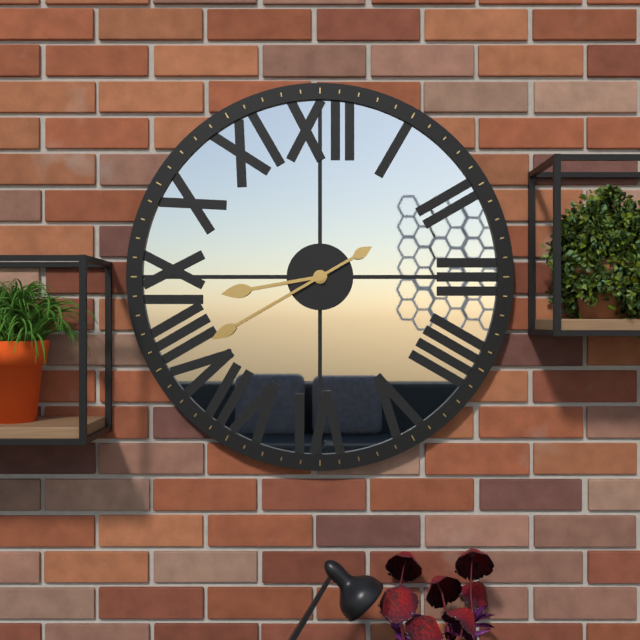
8:40
